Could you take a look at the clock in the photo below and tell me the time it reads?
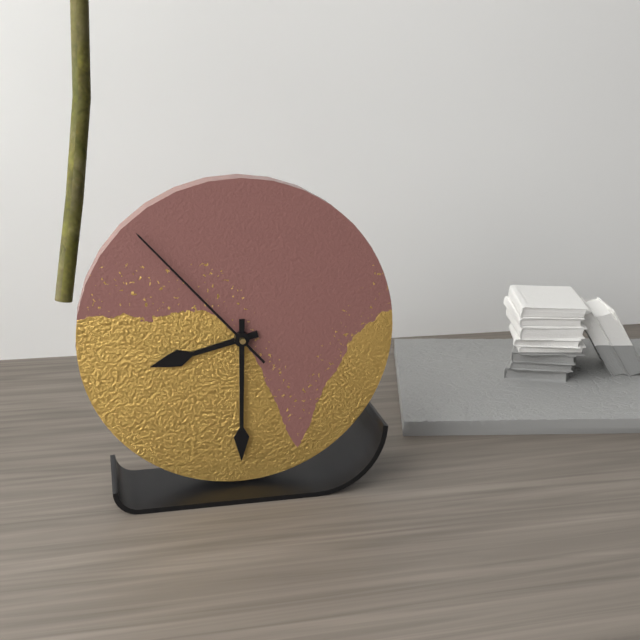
8:30:53
